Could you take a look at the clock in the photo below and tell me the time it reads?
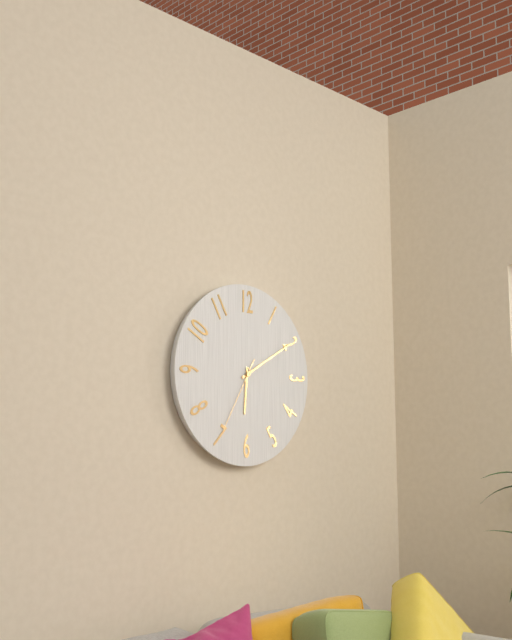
6:10:35
